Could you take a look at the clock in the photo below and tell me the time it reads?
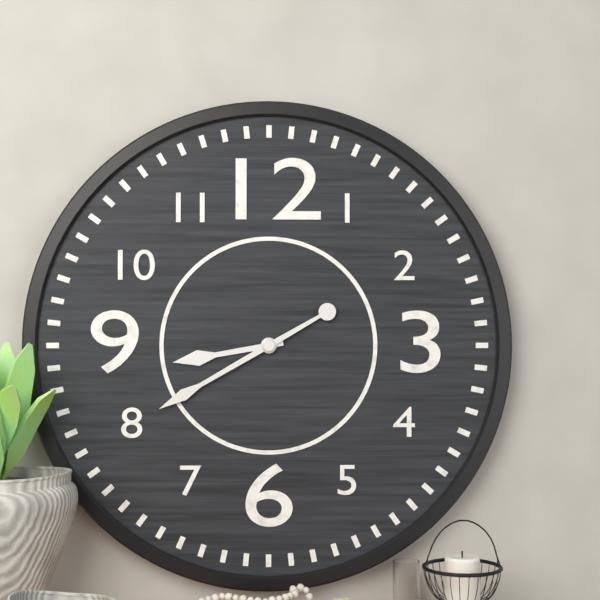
8:40
